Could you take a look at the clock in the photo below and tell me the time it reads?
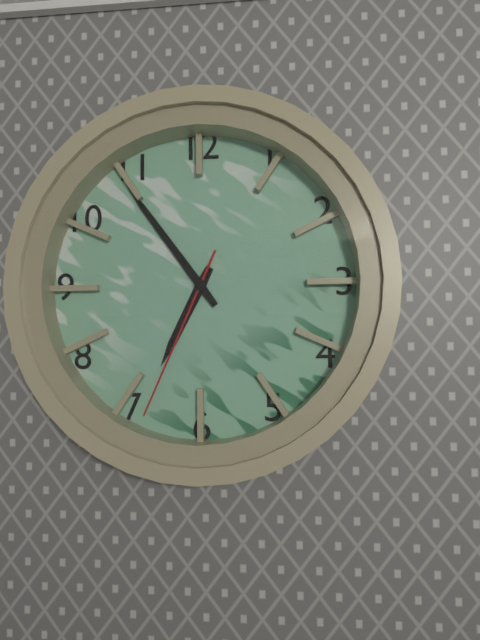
6:54:34
